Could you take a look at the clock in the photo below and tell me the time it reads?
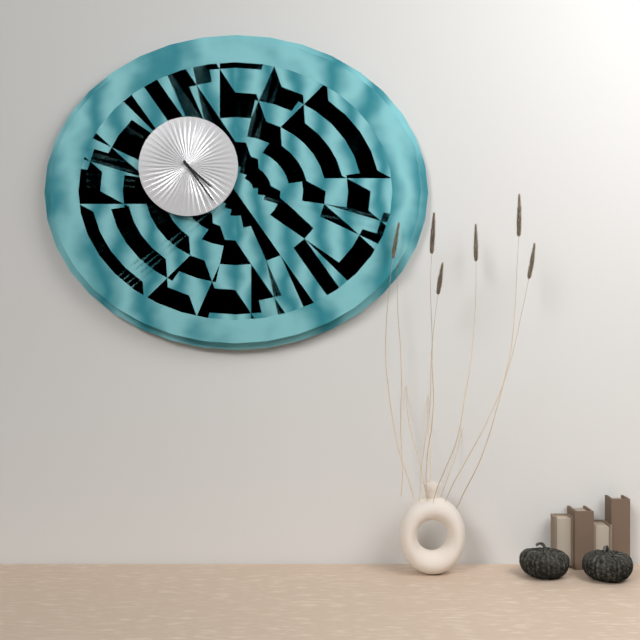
4:24
